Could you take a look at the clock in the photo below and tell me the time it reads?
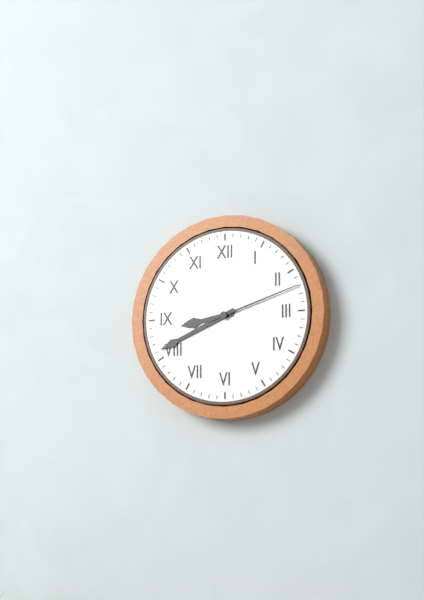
8:41:12
